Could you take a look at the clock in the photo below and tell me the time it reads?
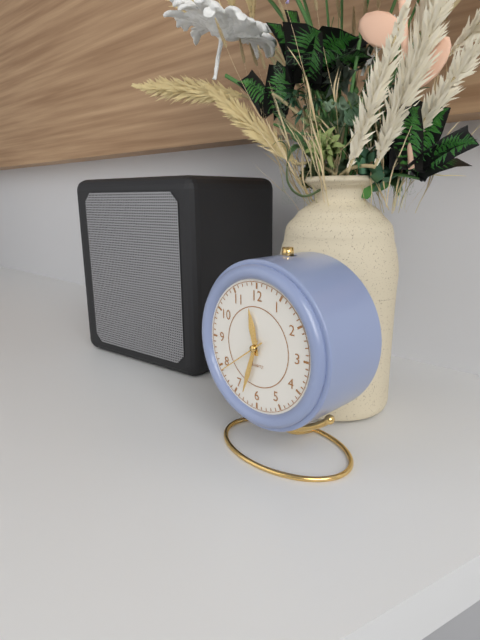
11:33
